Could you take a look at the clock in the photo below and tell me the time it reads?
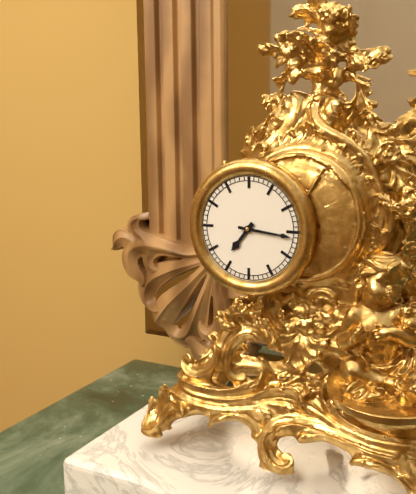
7:16
